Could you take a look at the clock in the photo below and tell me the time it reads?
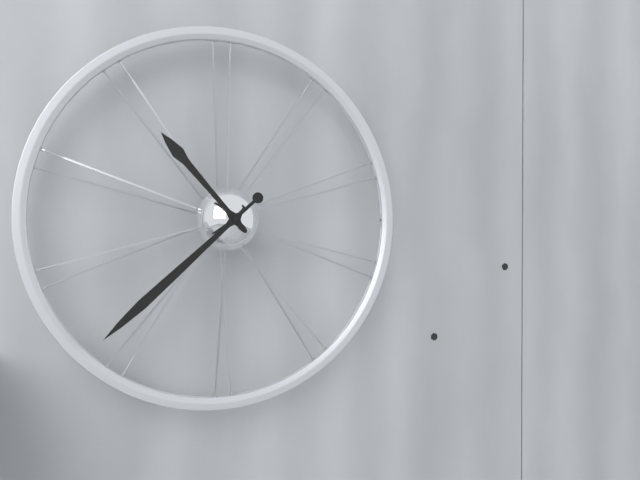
10:38
